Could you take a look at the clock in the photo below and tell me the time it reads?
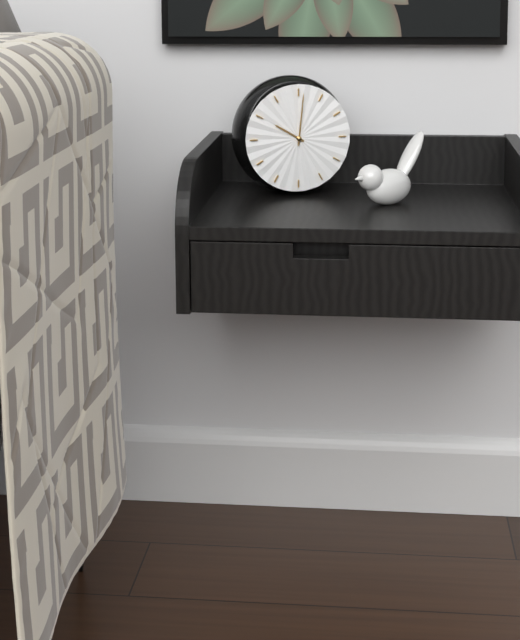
10:01
